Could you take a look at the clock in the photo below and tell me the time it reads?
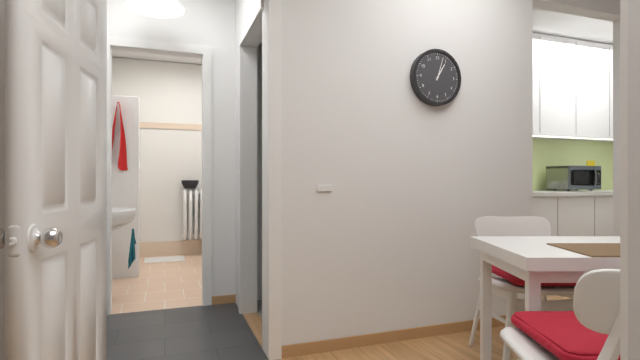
1:03
